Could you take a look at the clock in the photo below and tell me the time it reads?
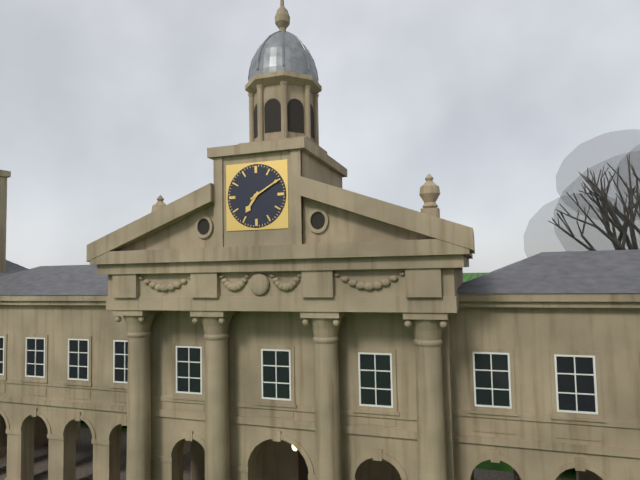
7:10
